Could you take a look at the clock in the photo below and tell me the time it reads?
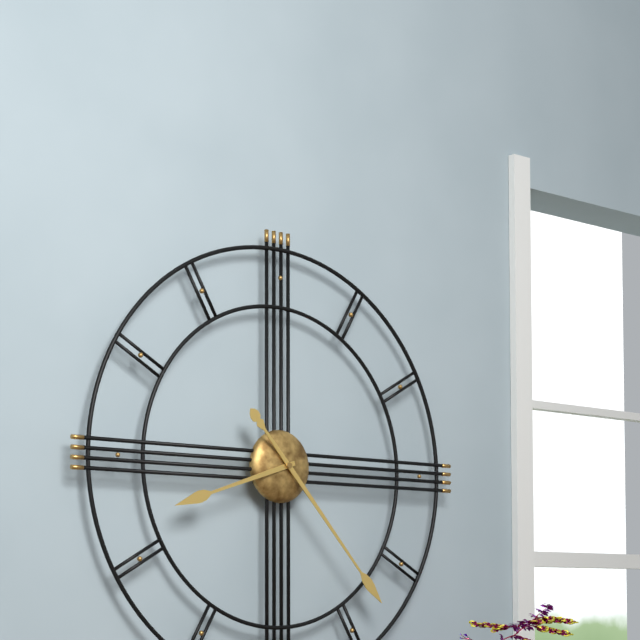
8:23
